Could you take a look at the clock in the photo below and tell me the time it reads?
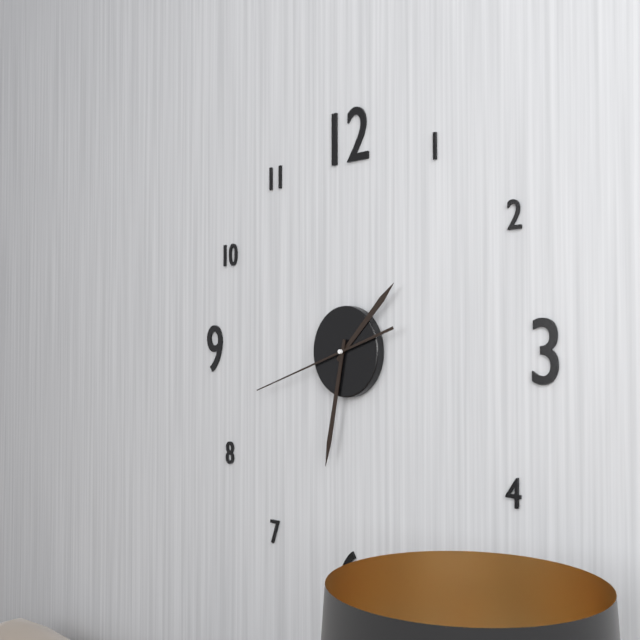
1:32:42
